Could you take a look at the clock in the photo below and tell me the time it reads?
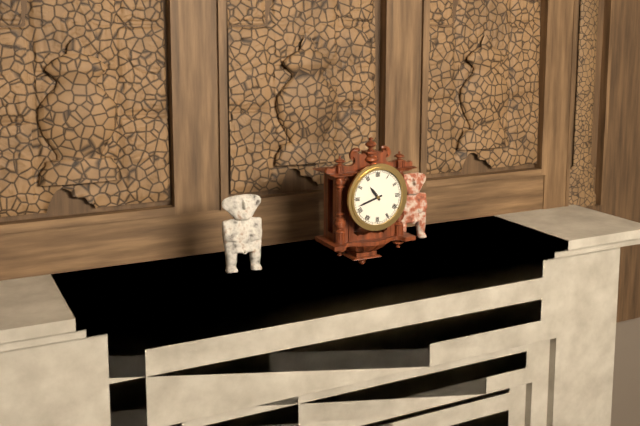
10:42
